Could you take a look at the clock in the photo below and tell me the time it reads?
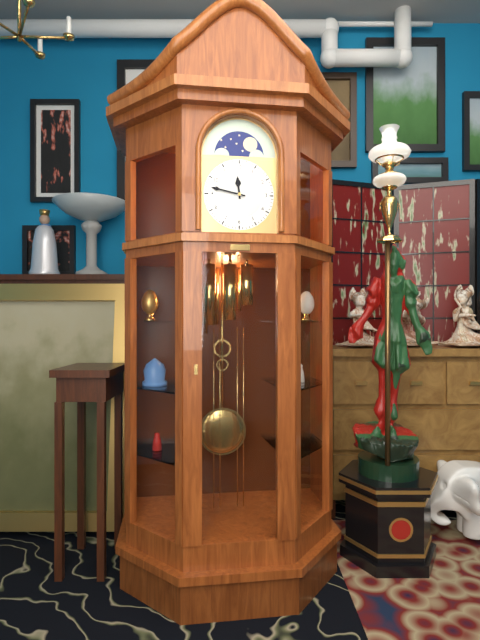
11:47
